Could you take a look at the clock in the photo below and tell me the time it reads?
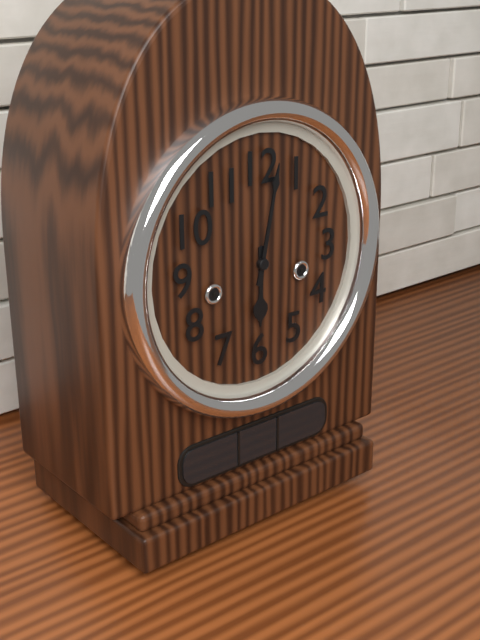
6:02
